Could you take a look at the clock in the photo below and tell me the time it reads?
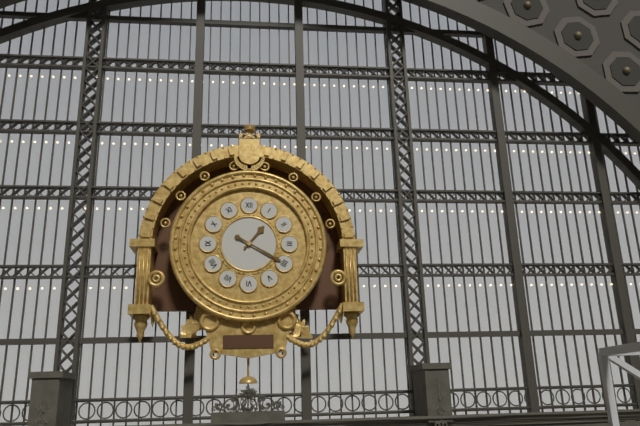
1:20
